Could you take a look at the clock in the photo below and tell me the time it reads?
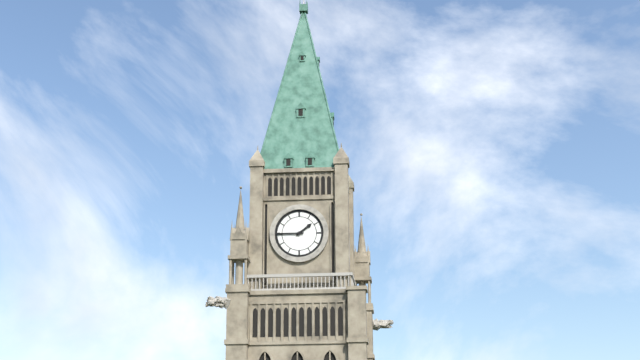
1:45
